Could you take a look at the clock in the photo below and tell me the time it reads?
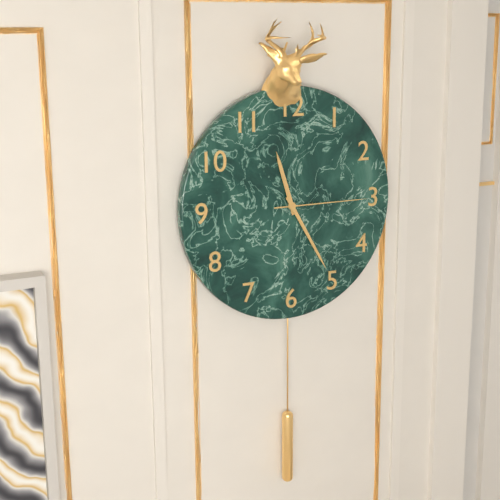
11:25:15
